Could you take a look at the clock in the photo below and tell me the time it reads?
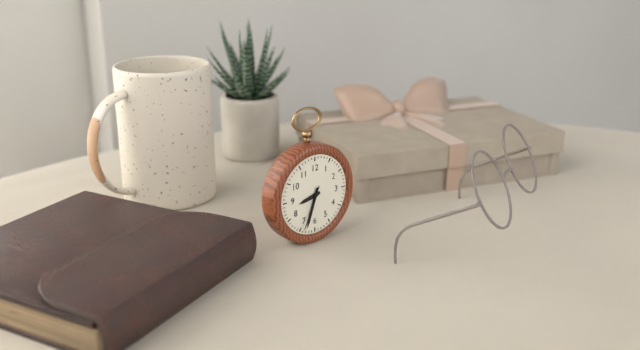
8:33
